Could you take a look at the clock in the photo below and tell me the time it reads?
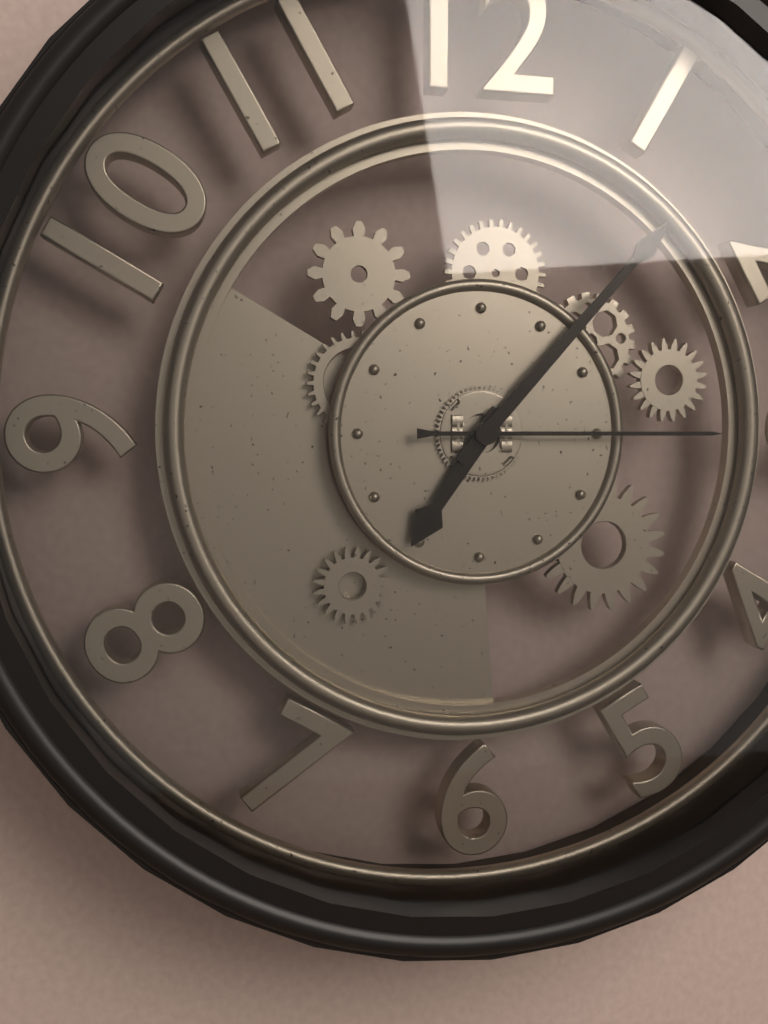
7:07:15
